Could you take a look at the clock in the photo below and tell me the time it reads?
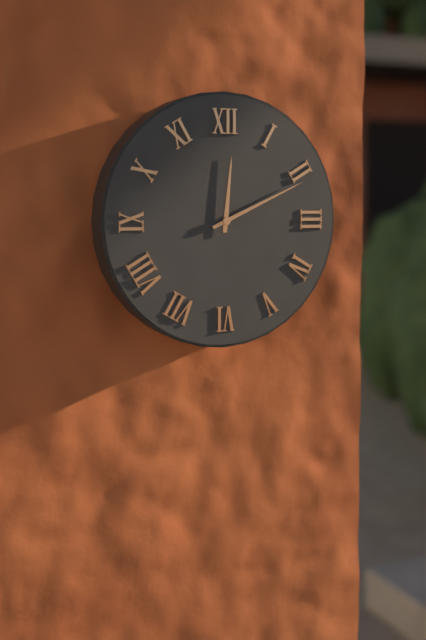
12:11
